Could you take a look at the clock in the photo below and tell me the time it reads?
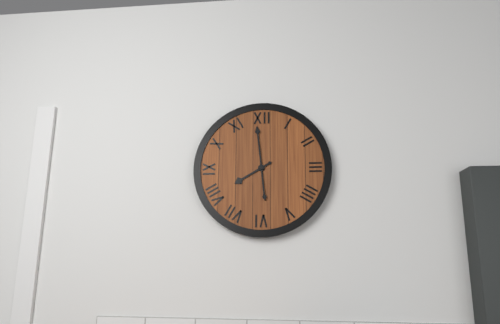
7:59
